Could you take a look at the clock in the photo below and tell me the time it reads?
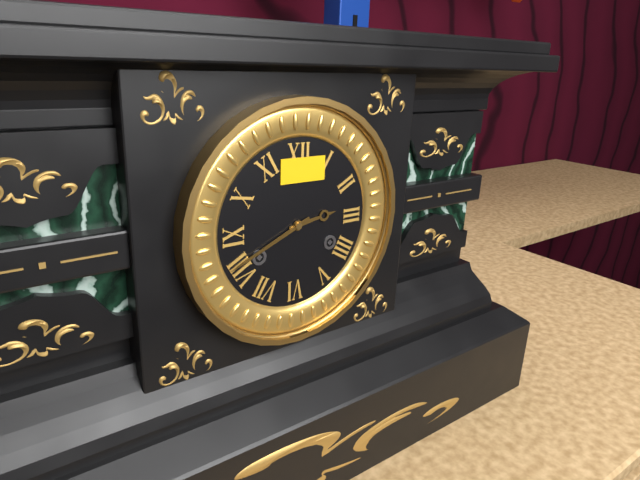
2:41
